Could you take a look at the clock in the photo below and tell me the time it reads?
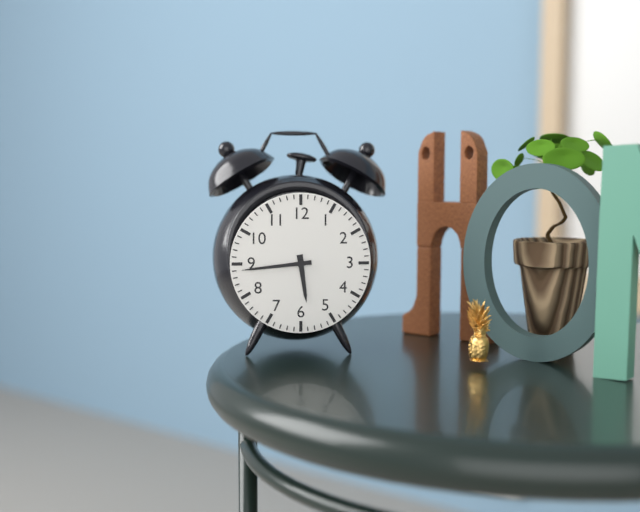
5:44
